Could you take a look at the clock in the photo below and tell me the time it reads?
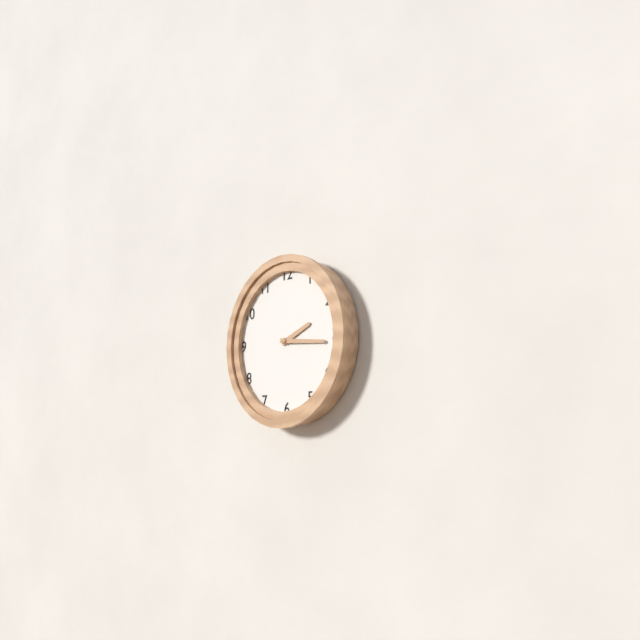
2:16
